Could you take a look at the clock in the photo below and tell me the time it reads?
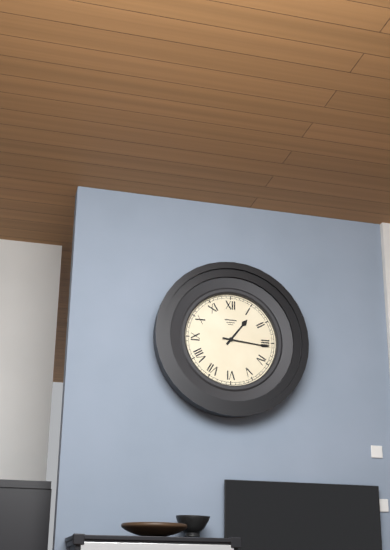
1:16
